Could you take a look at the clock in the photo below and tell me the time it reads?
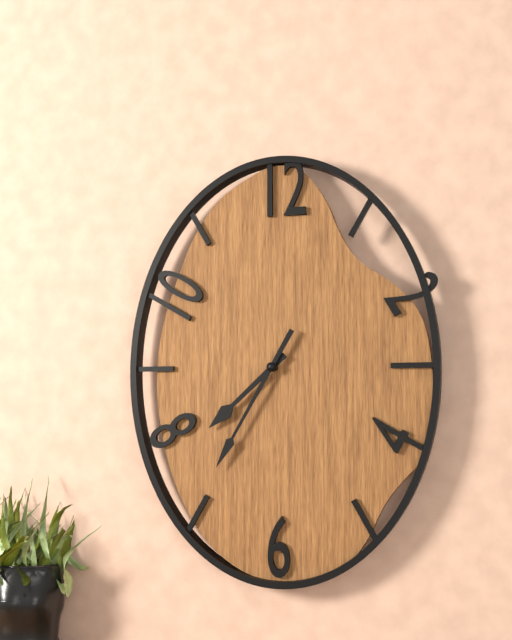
7:35
